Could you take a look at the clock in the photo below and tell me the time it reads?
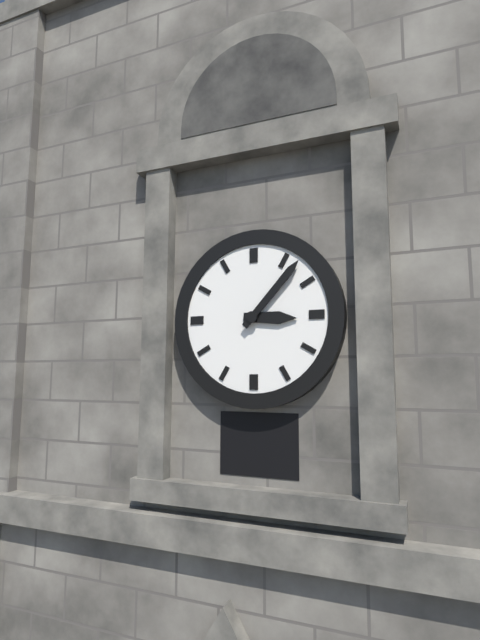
3:07
